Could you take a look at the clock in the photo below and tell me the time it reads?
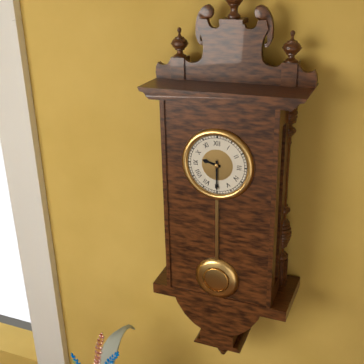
9:30
